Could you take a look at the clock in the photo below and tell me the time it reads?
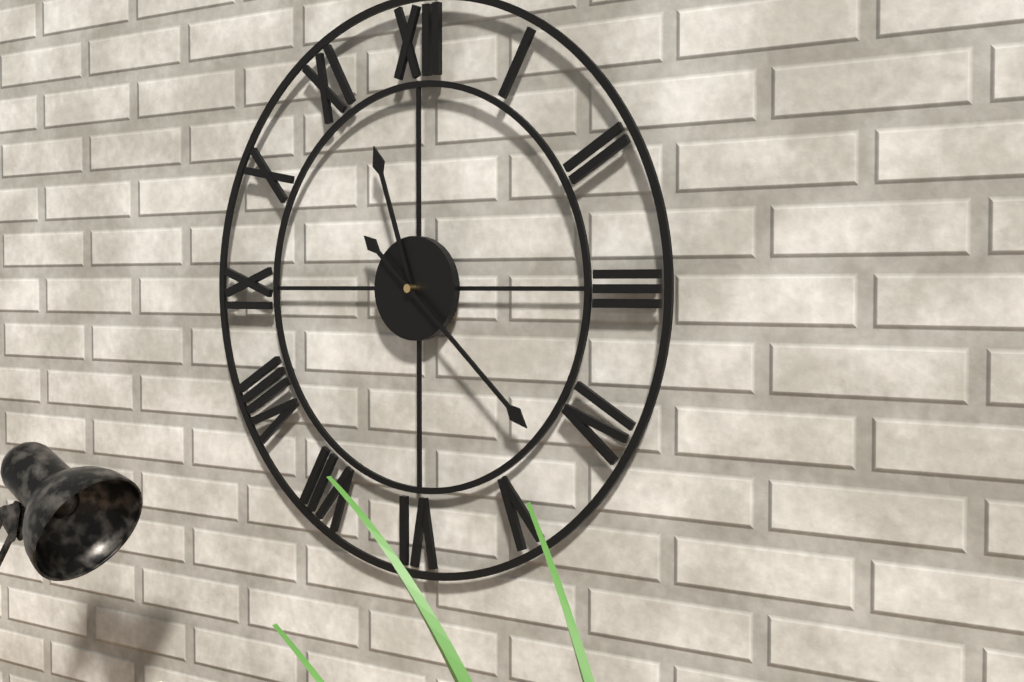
11:22
